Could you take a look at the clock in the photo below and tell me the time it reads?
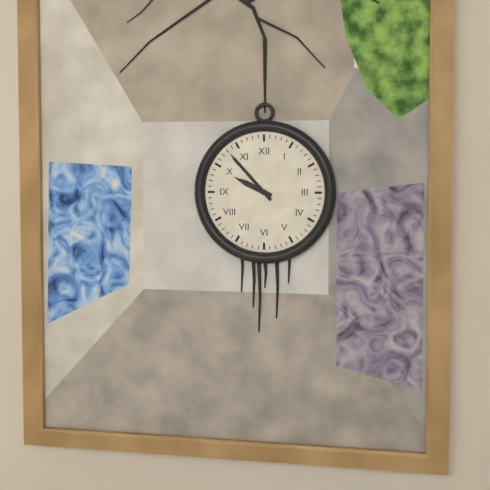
9:53
